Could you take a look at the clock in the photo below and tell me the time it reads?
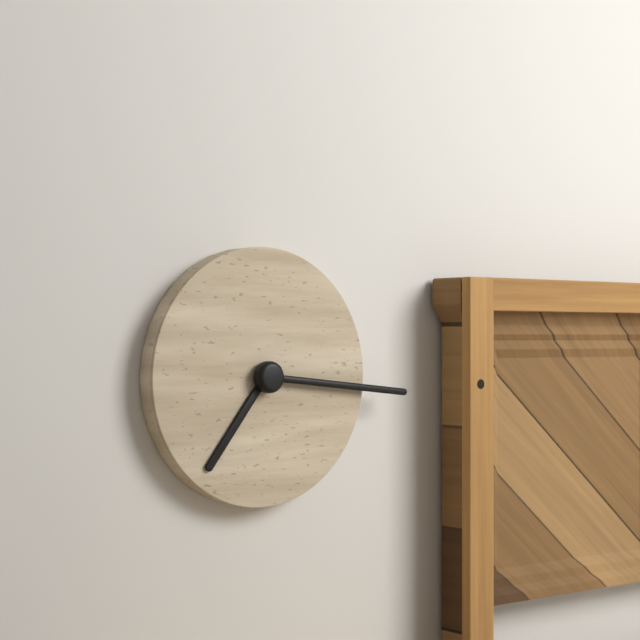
7:16
